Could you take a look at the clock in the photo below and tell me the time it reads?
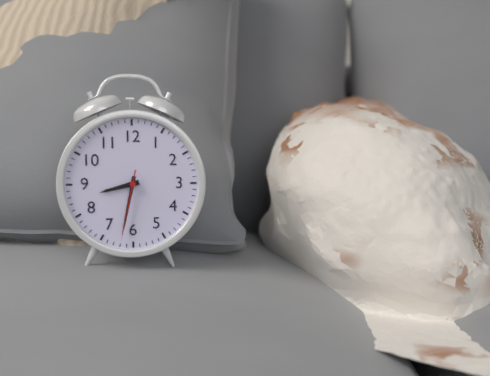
8:32:32
